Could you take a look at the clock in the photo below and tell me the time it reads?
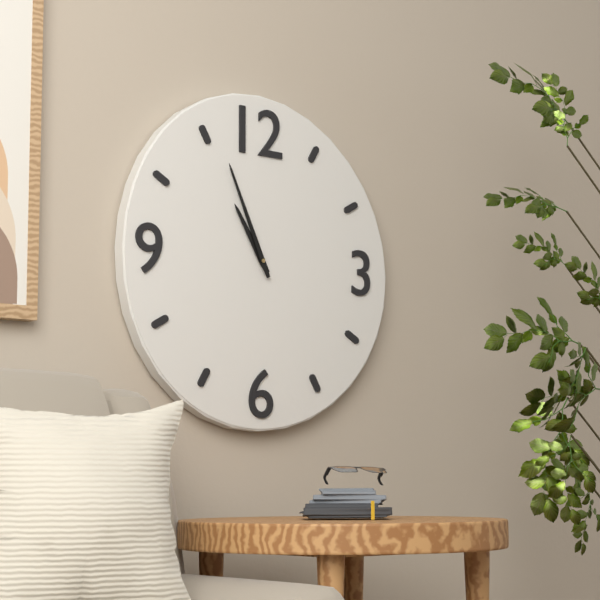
10:56
